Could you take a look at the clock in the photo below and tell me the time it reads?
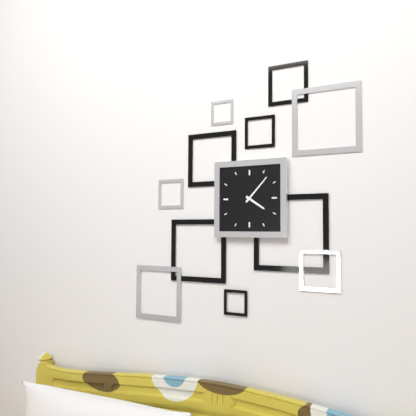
4:07
